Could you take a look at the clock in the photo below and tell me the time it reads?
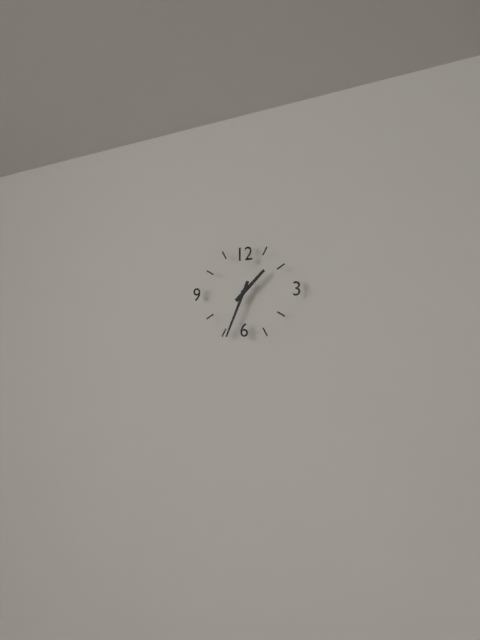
1:34
